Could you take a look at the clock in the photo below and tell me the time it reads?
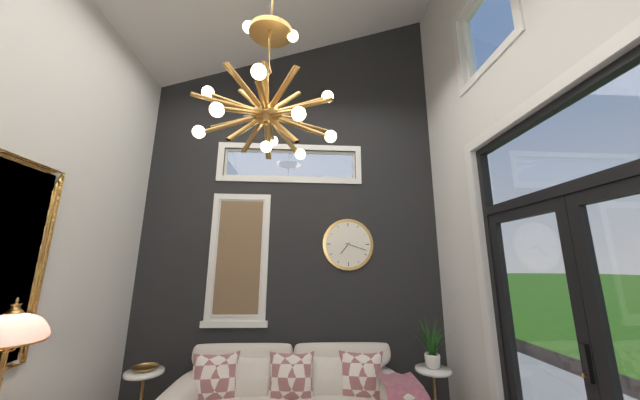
7:18
